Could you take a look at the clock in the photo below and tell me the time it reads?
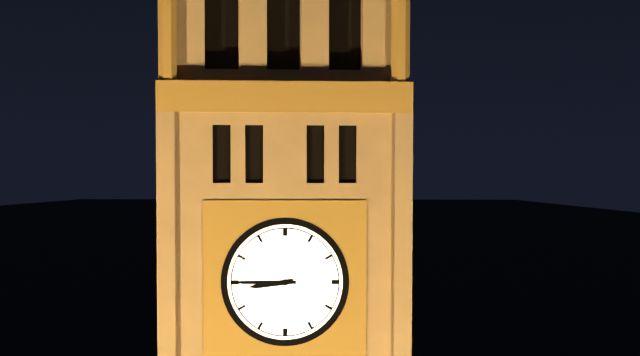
8:45
